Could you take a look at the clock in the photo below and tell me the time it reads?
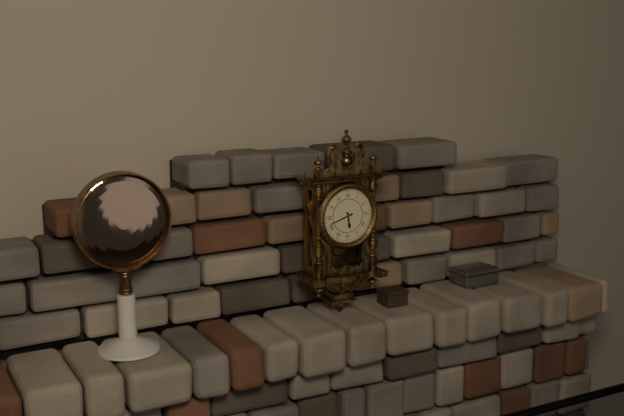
5:42
